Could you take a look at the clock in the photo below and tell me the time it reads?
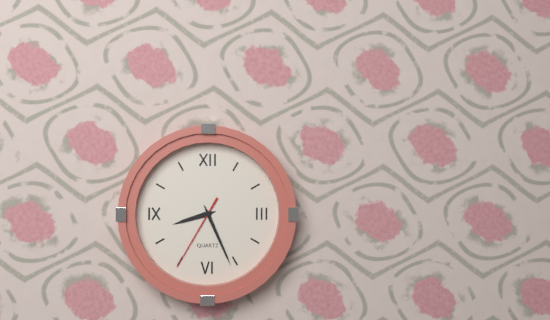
8:26:35
